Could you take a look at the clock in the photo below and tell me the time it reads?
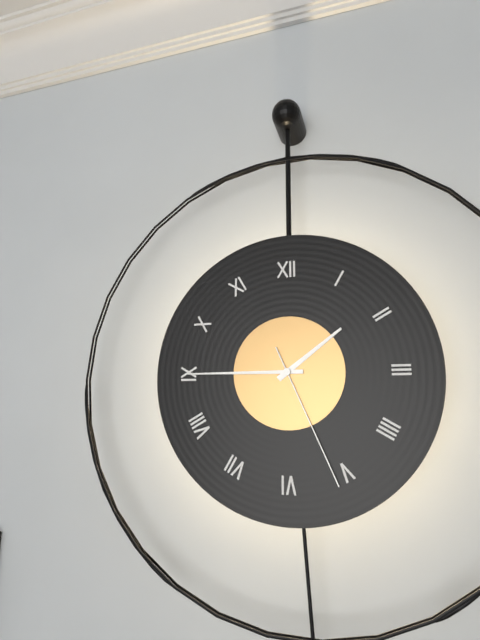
1:45:26
